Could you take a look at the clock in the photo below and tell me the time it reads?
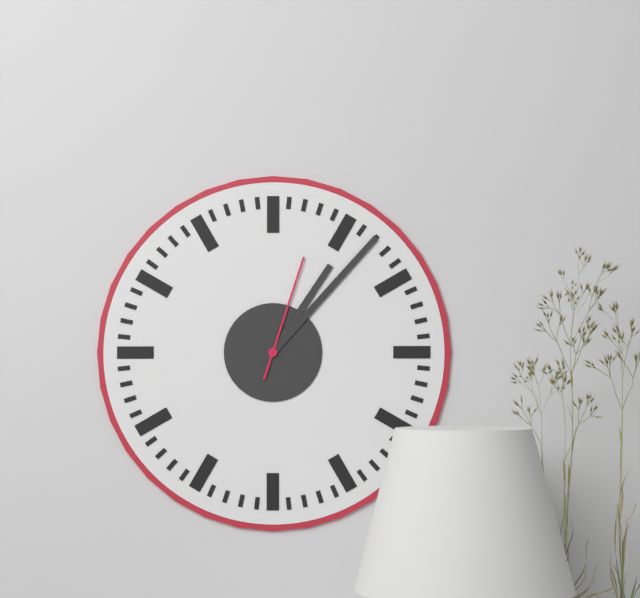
1:07:03
